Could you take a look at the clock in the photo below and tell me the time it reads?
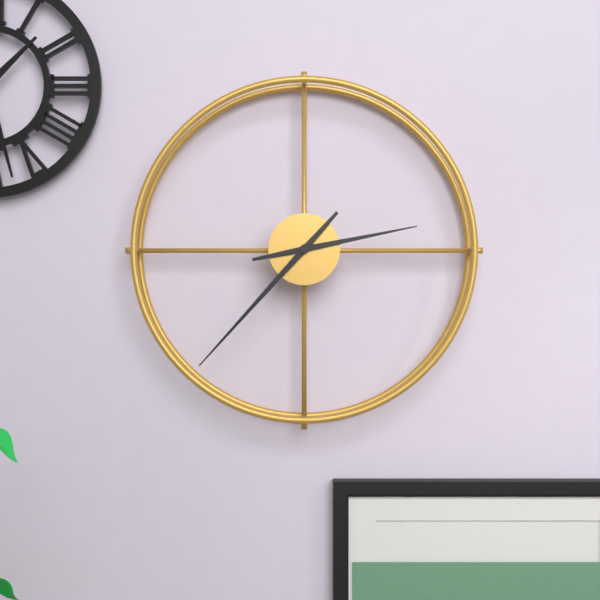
2:37
